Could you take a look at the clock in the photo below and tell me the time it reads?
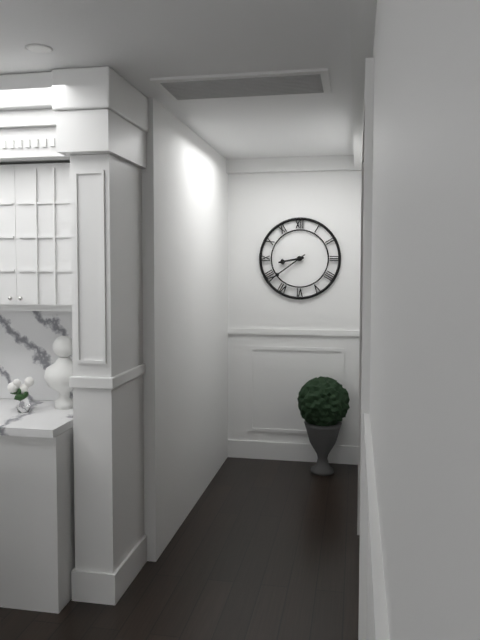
8:39
